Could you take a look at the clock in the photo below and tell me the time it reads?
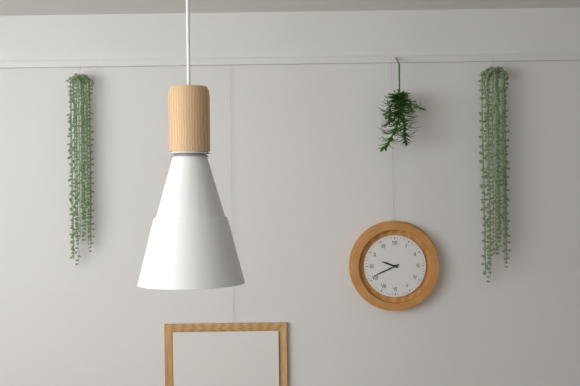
9:41
